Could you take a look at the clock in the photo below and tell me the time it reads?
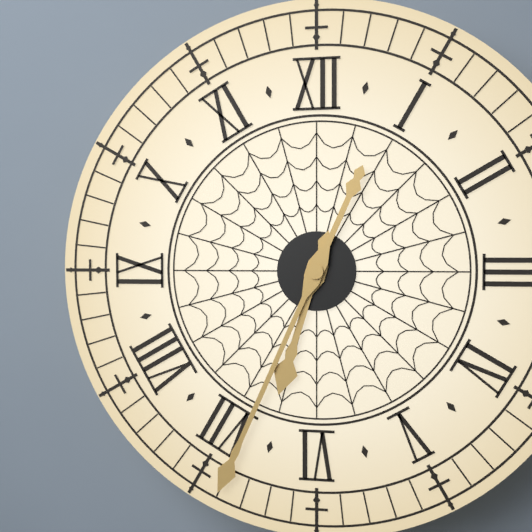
6:34
